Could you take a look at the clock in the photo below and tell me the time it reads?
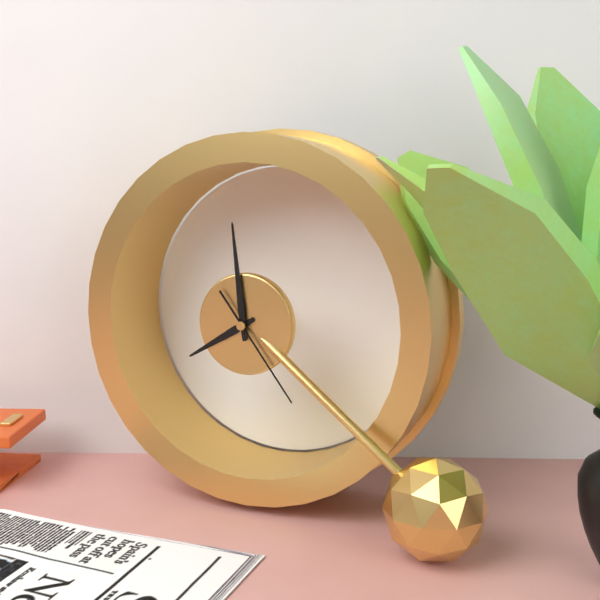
7:59:24
